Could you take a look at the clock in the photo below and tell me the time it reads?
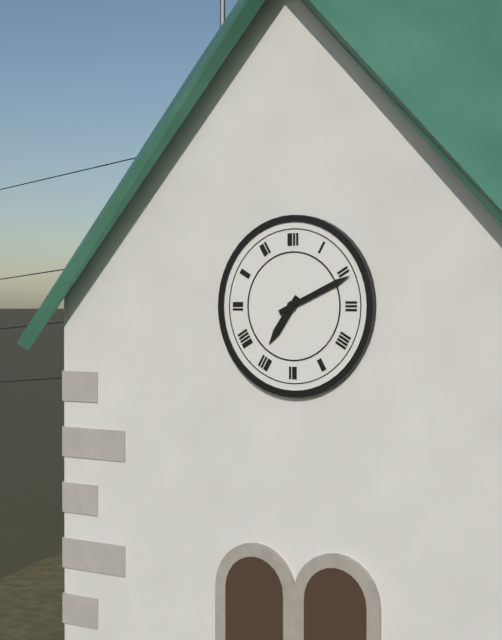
7:11
